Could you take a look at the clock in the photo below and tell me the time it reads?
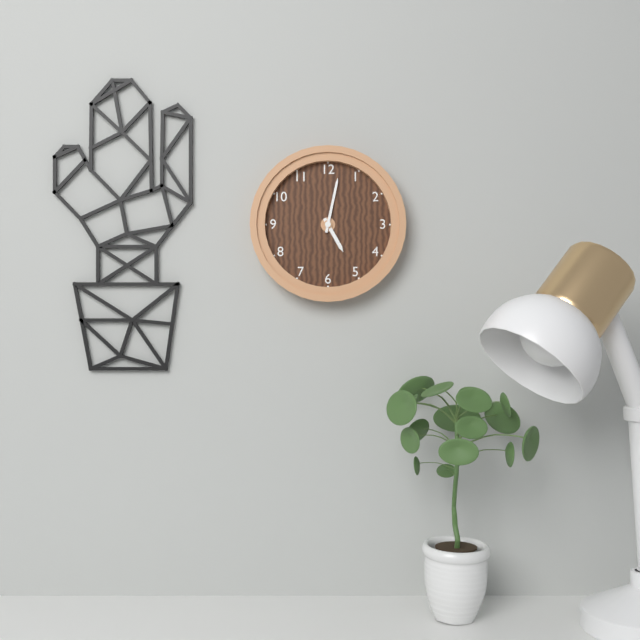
5:02
